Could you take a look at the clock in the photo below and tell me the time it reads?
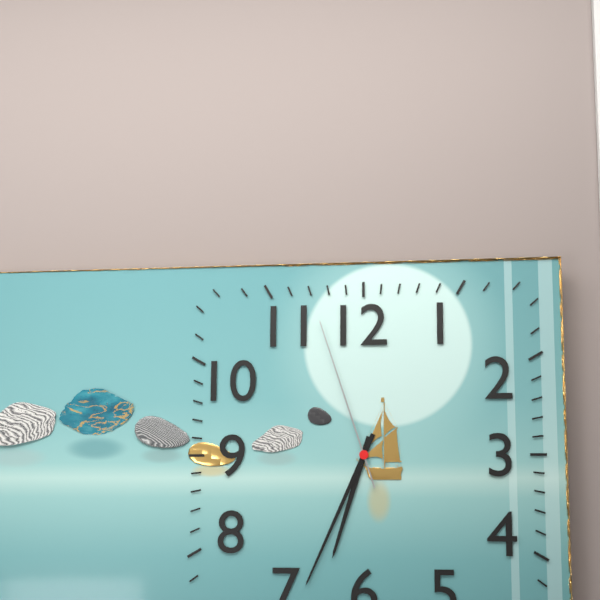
6:34:57
